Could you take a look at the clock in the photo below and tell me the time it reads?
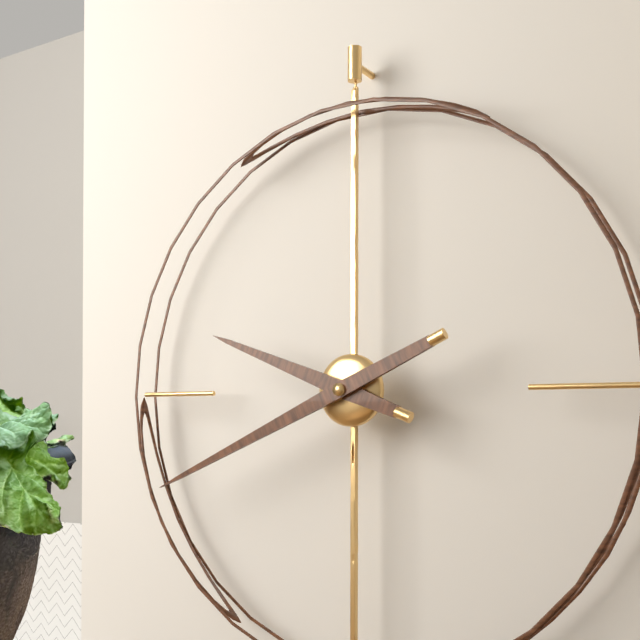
9:41
